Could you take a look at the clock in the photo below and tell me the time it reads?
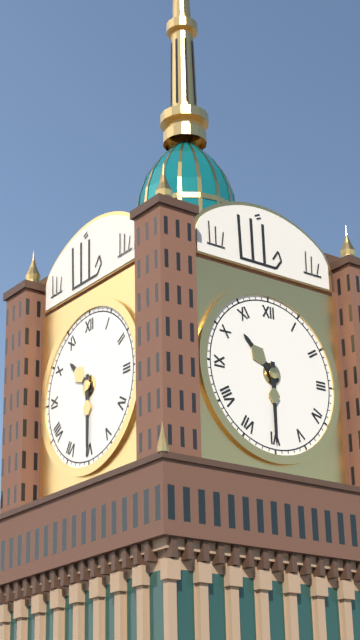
10:30
